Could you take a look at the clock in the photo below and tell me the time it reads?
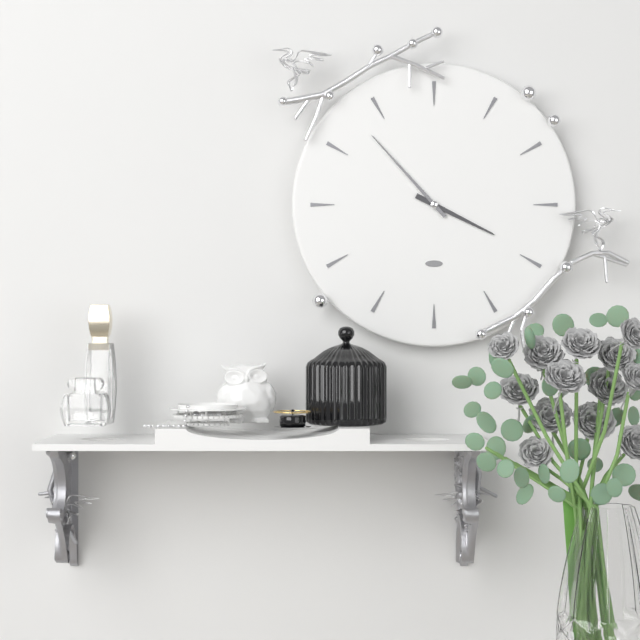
3:53
